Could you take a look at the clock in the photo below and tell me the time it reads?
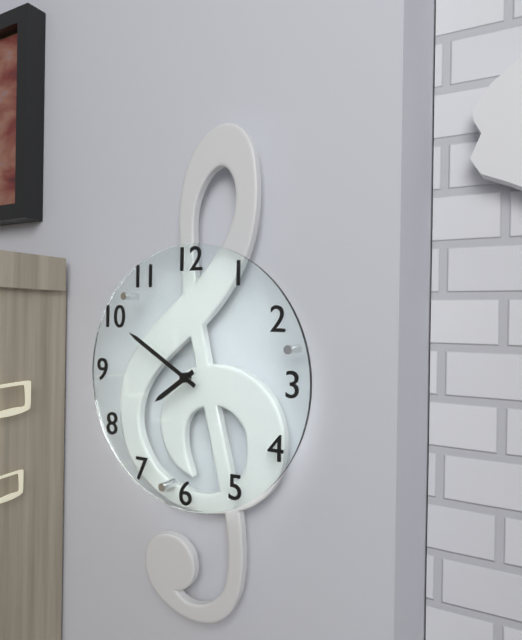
7:50
